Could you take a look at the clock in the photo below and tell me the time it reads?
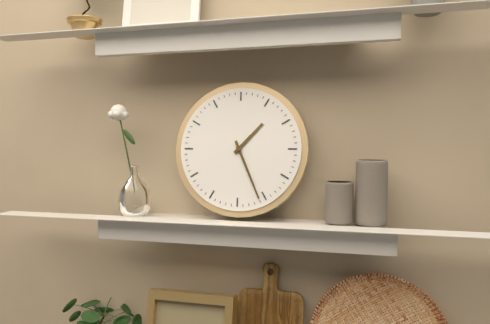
1:26
